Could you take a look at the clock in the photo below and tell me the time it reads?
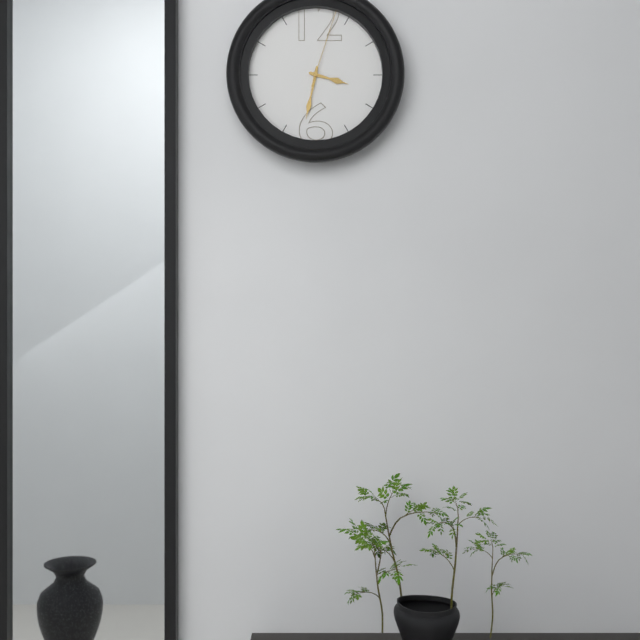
3:32:03
